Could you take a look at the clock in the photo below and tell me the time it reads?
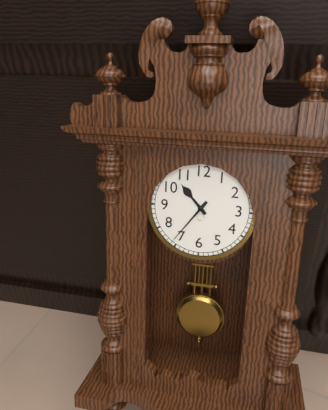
10:36
